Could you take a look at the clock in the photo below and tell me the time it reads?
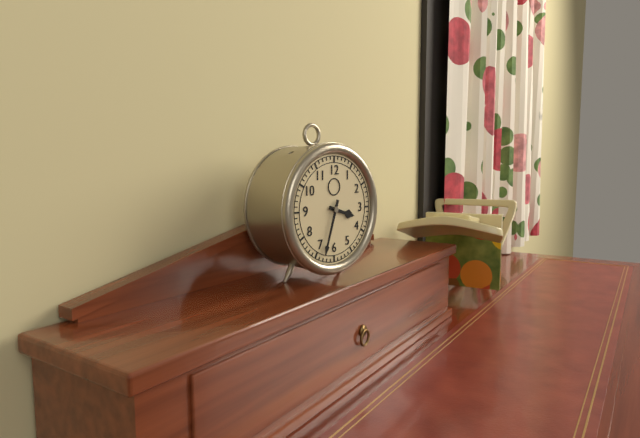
3:33
